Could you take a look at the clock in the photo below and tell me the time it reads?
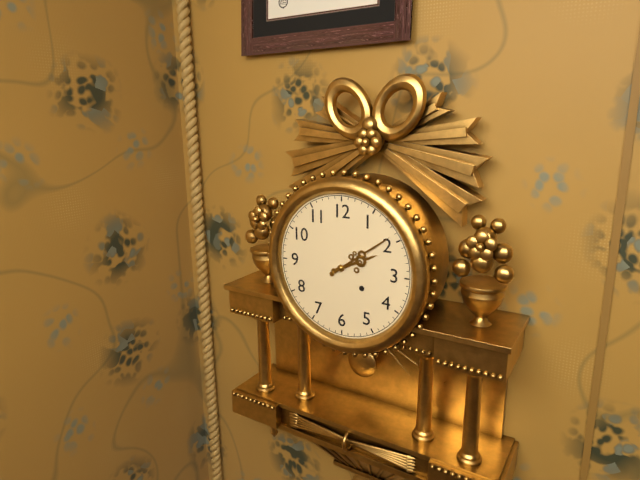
2:09
